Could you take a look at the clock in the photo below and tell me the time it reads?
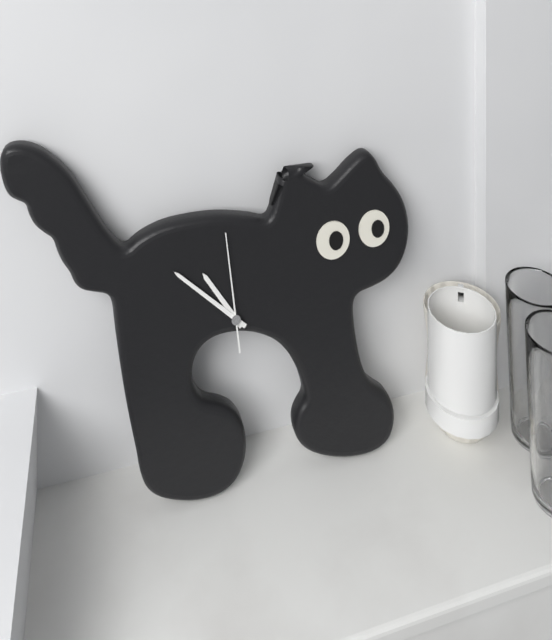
10:52:59
